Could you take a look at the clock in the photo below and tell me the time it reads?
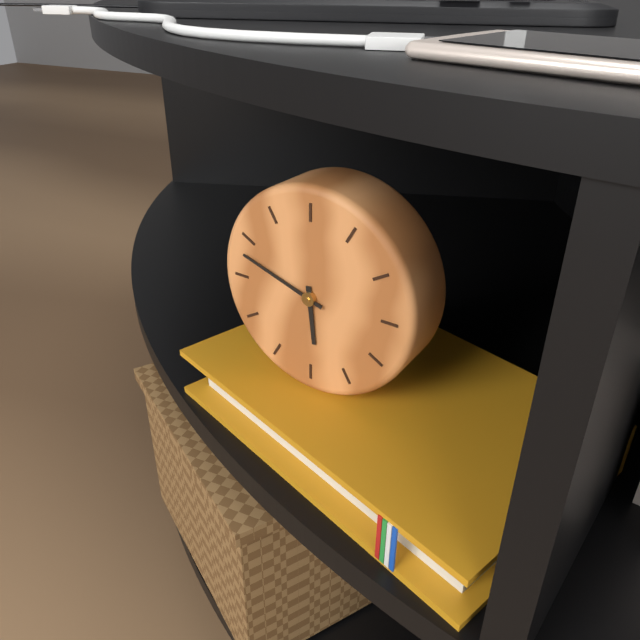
5:48
